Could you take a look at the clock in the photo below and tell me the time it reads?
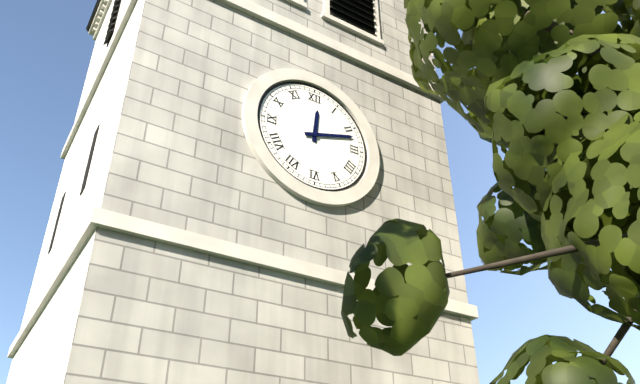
12:12
